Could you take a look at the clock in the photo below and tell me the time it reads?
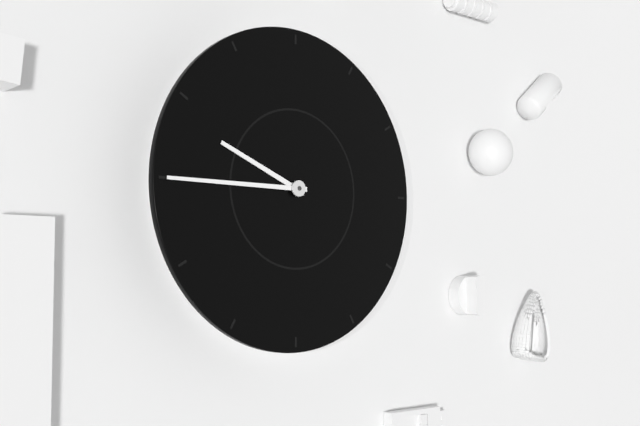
9:45
